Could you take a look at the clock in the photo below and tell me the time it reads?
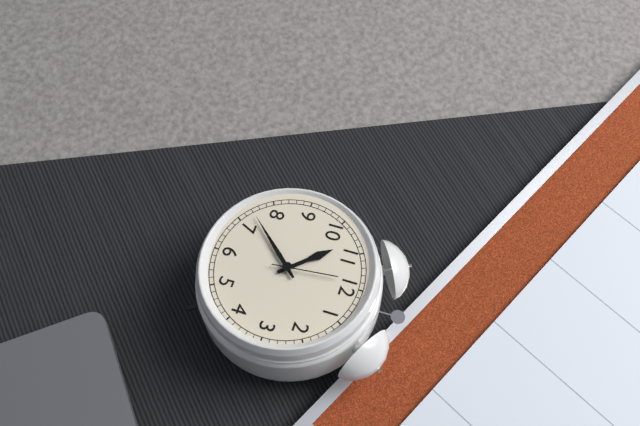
10:37:59
